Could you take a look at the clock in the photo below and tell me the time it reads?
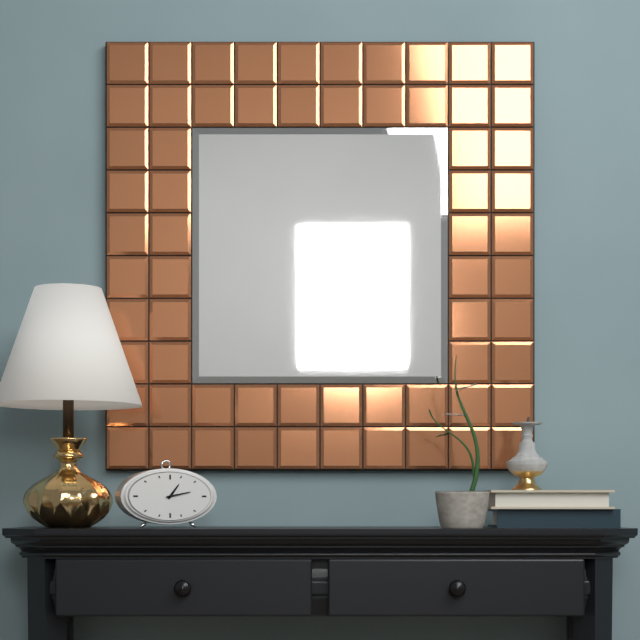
1:13
